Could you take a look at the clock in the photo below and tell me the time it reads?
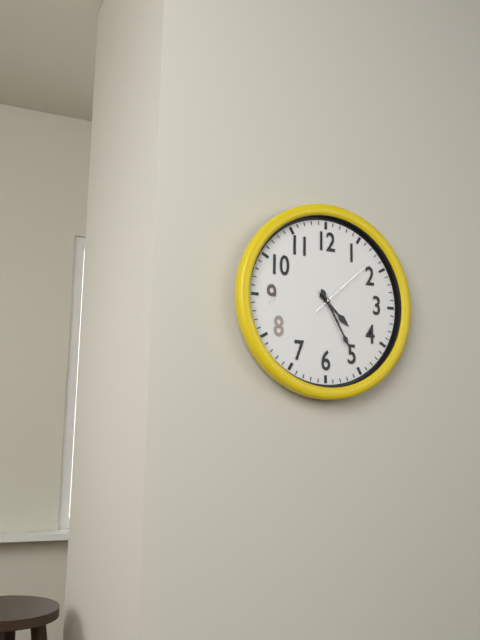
4:25:08
